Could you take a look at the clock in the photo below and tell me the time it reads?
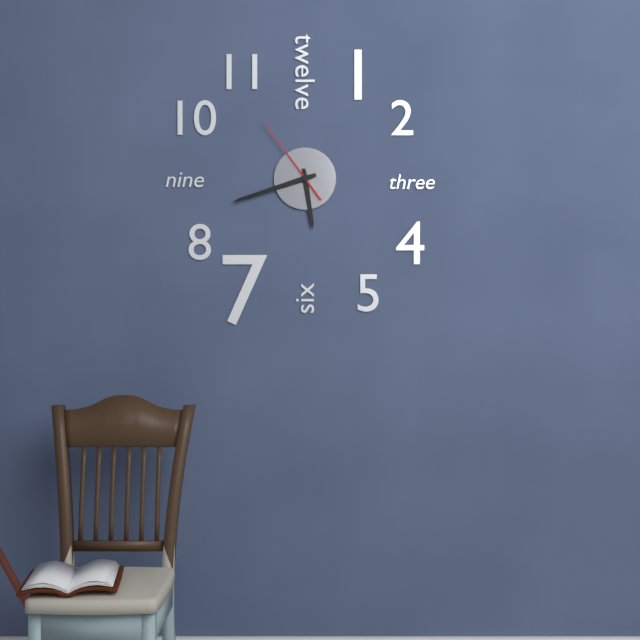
5:42:54
